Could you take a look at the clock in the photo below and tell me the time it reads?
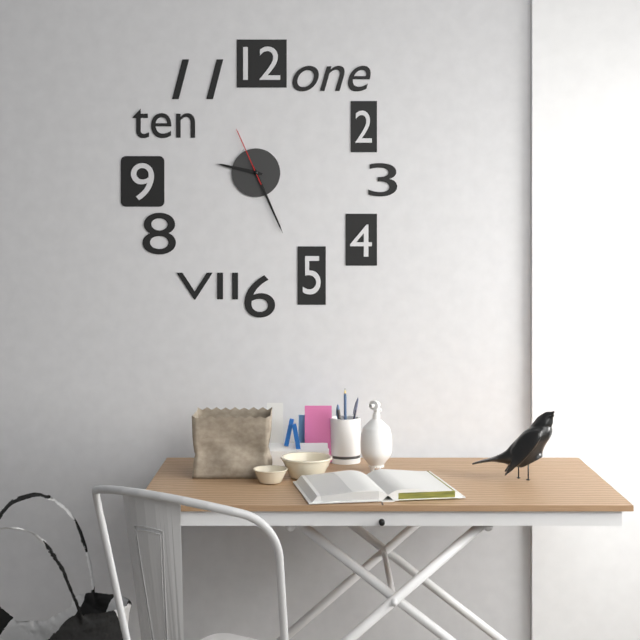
9:26:56
